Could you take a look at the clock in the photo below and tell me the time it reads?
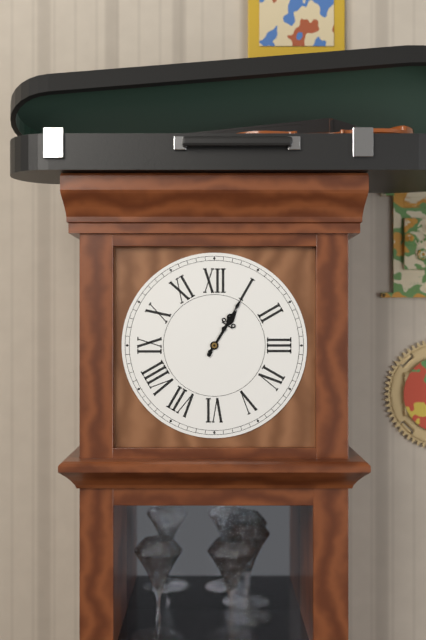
1:05
